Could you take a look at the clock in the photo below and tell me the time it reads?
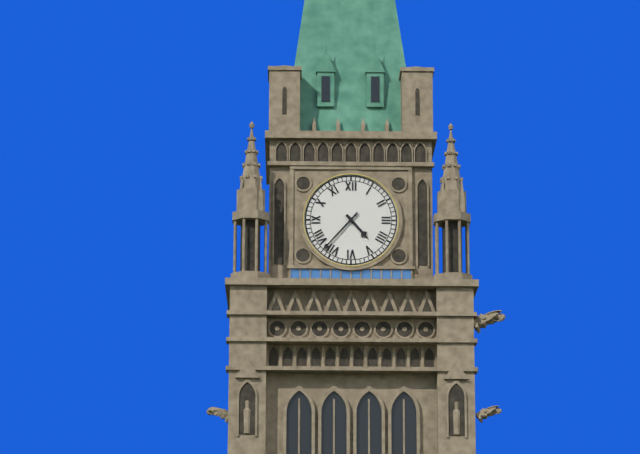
4:37
